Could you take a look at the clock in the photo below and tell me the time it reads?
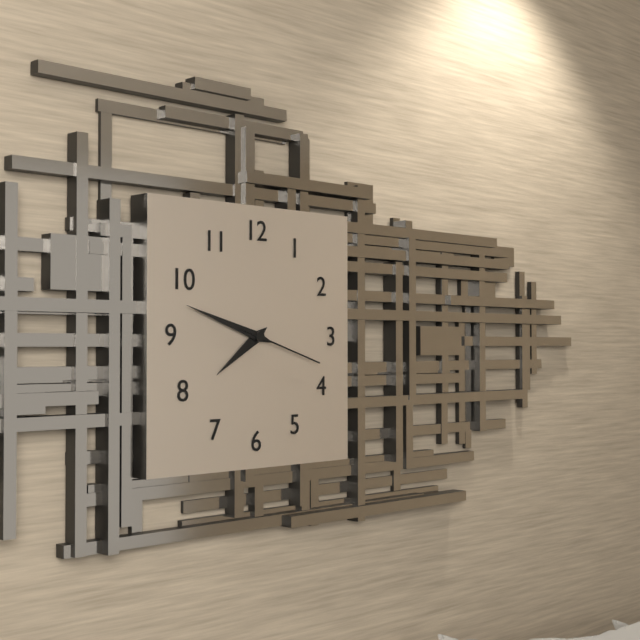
7:48:18
